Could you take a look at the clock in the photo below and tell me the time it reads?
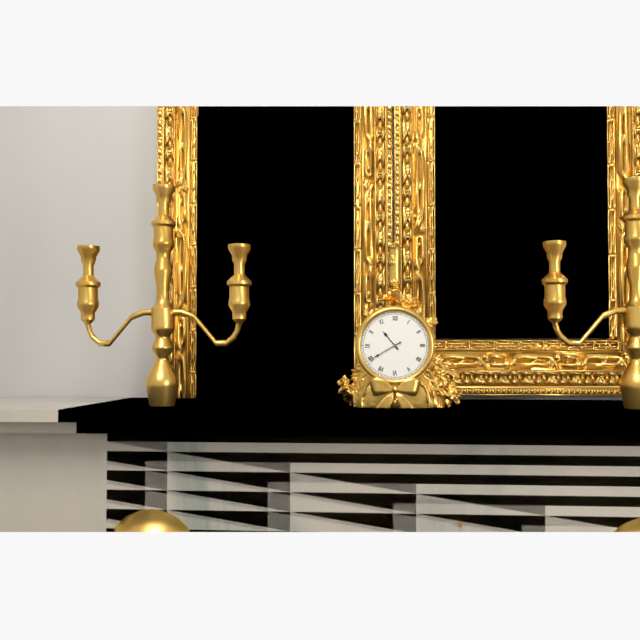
10:40
